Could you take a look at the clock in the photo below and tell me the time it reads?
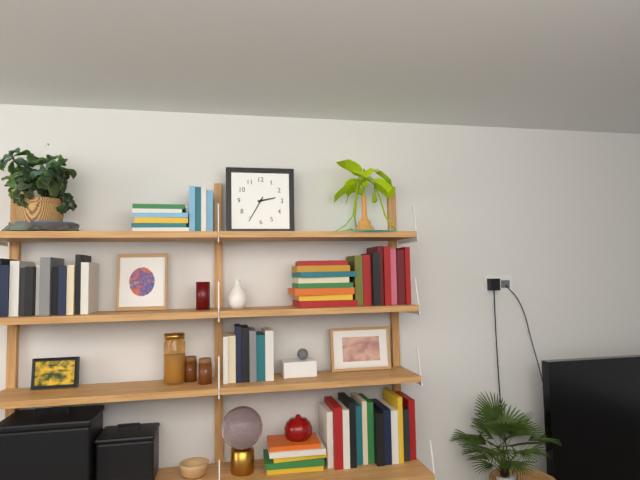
2:35
